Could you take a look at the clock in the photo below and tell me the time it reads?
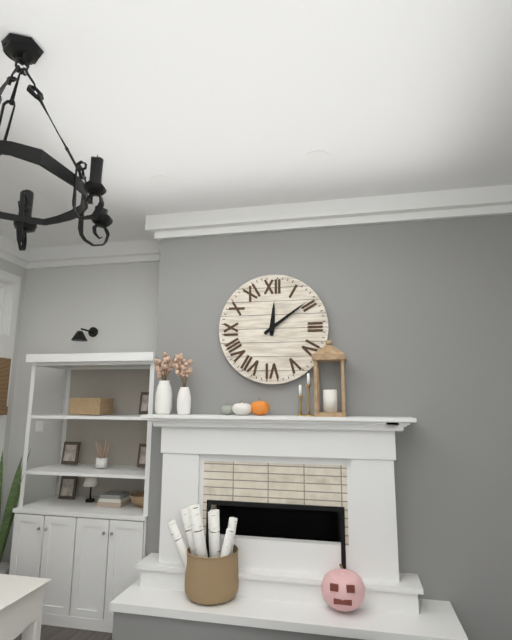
12:09
